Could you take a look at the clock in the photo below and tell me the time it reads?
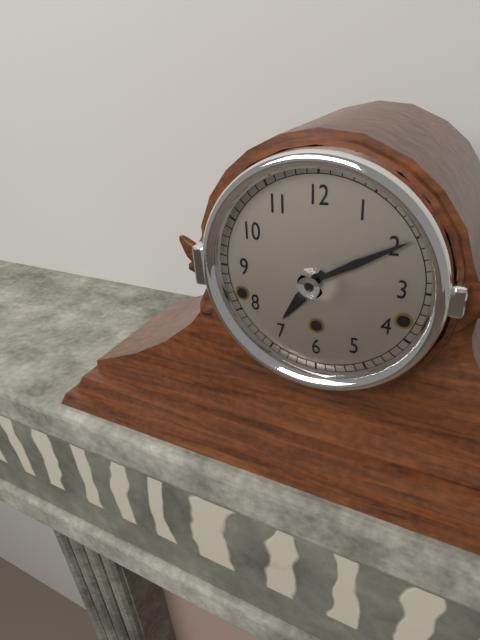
7:10
